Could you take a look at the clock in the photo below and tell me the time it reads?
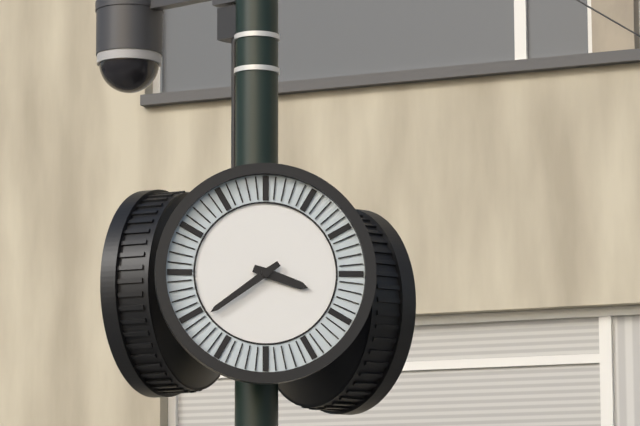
3:39
